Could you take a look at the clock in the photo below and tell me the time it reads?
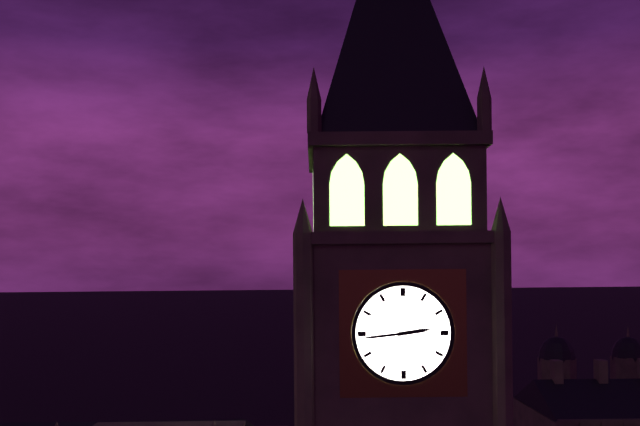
2:44
